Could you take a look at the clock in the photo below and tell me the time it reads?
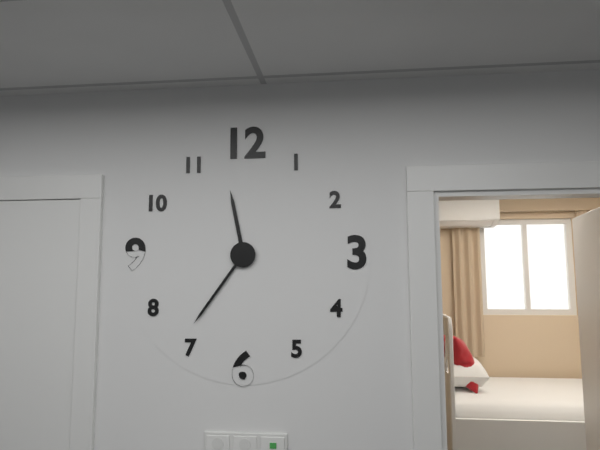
11:36
